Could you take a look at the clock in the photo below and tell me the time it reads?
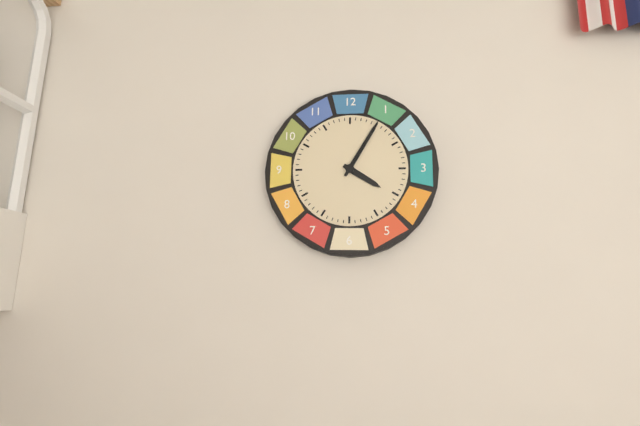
4:05
